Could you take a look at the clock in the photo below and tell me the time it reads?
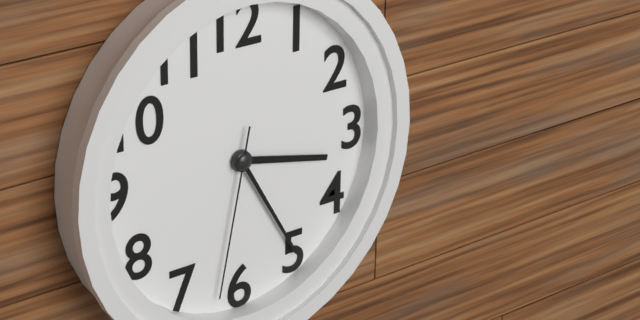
3:25:32
